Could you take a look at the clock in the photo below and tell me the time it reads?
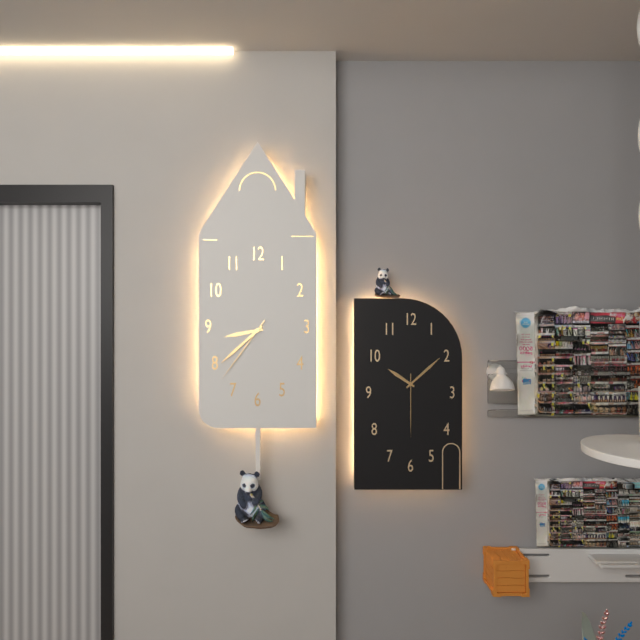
8:38:36
